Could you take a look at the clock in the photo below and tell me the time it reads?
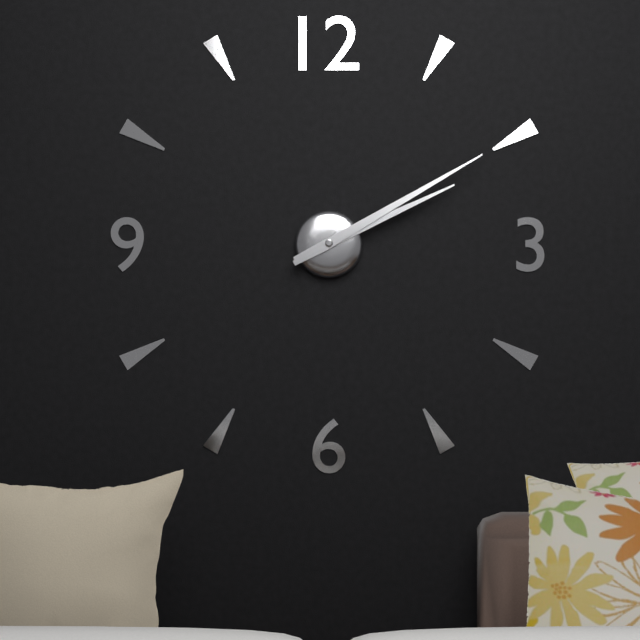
2:10
